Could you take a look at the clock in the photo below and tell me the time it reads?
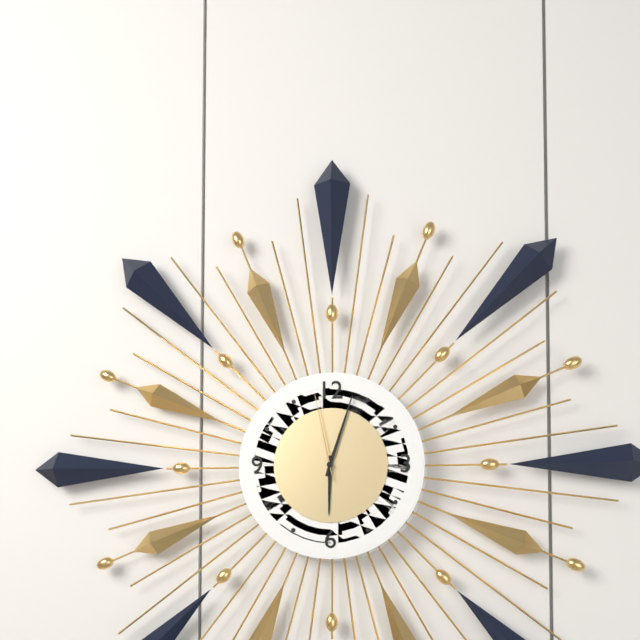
6:03:58
